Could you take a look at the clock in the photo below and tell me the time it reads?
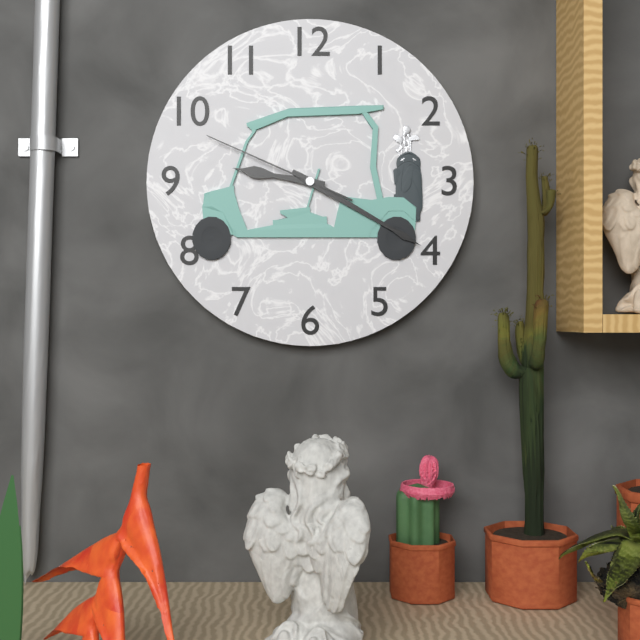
9:20:49
